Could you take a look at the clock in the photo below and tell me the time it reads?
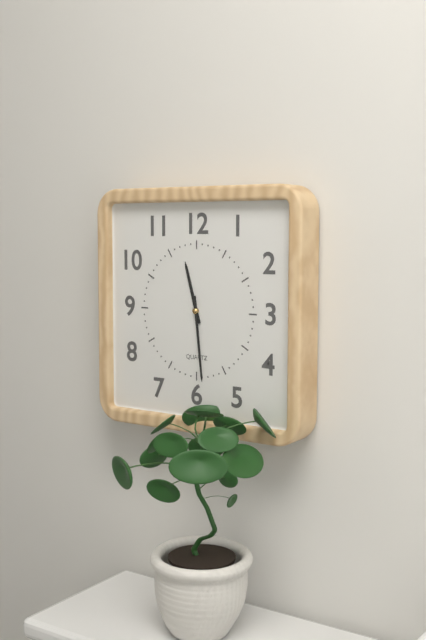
11:29
